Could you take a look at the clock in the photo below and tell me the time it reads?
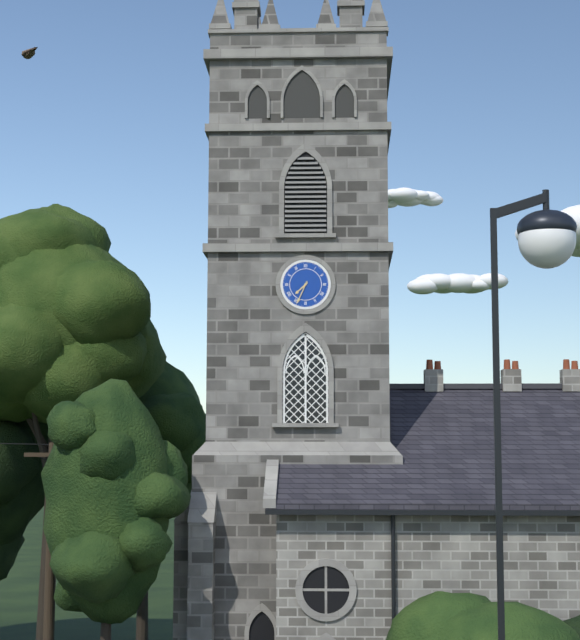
7:34
